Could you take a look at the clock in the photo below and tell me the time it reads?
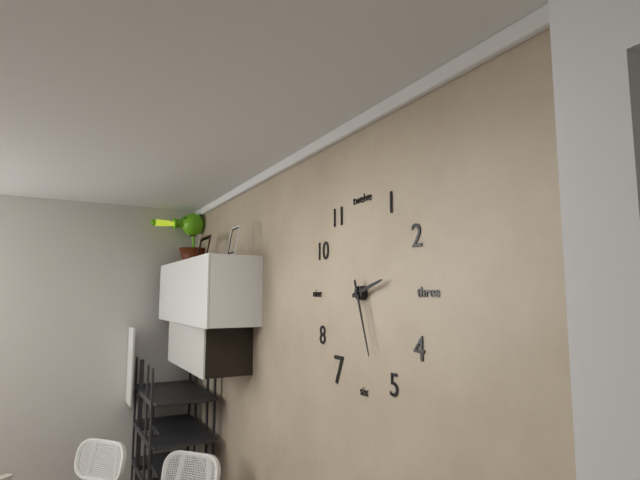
2:27
